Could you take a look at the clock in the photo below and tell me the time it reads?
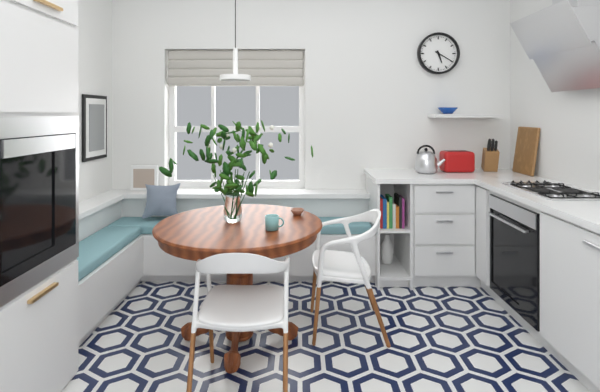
5:20
